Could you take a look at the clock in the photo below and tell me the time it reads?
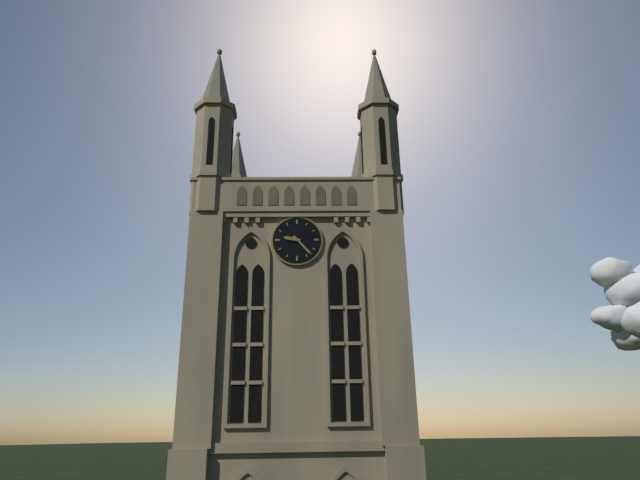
9:23
